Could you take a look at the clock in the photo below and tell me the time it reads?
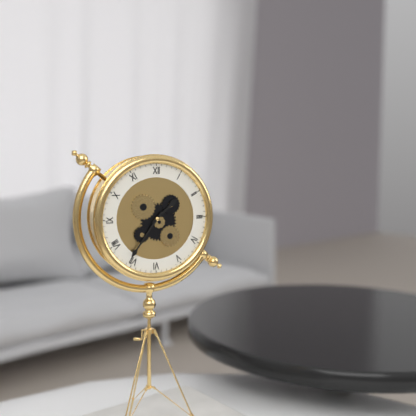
1:36
